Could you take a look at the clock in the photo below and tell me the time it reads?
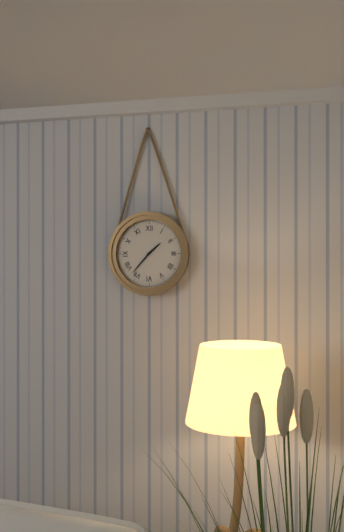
1:37
